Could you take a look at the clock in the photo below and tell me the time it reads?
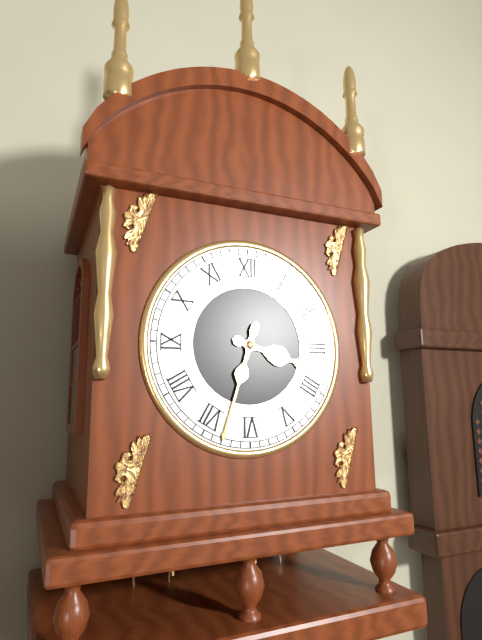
3:33
